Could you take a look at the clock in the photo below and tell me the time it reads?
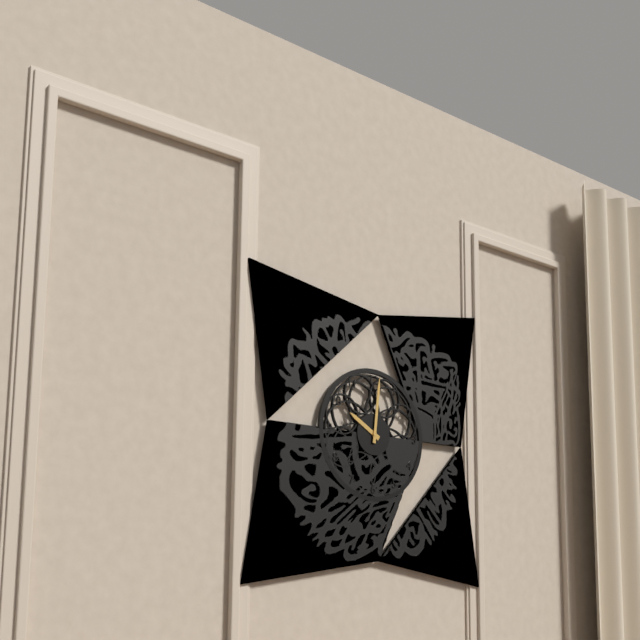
10:01
